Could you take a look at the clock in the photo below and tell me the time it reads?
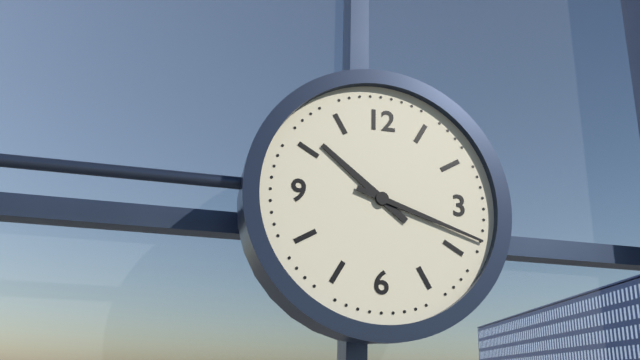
10:18
